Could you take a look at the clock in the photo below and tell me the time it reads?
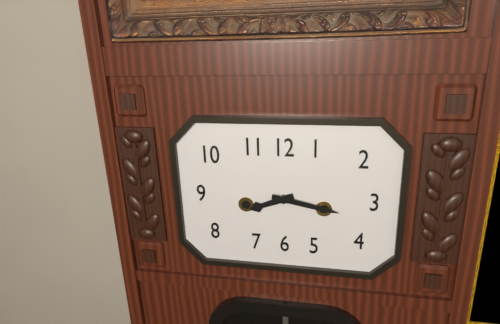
8:17
